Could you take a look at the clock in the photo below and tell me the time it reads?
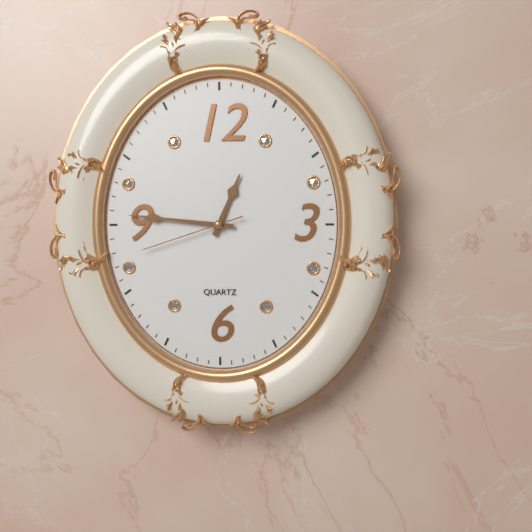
12:46:42
